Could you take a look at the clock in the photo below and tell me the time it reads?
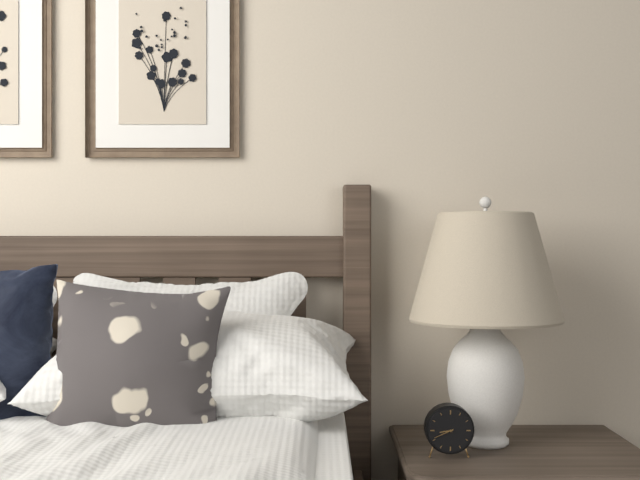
8:41
